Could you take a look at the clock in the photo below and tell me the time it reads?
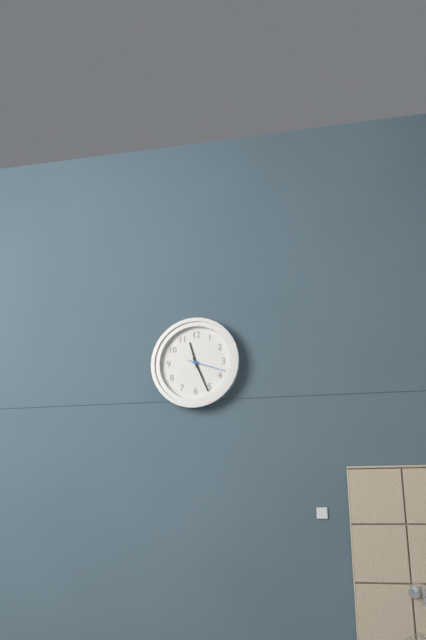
11:26
